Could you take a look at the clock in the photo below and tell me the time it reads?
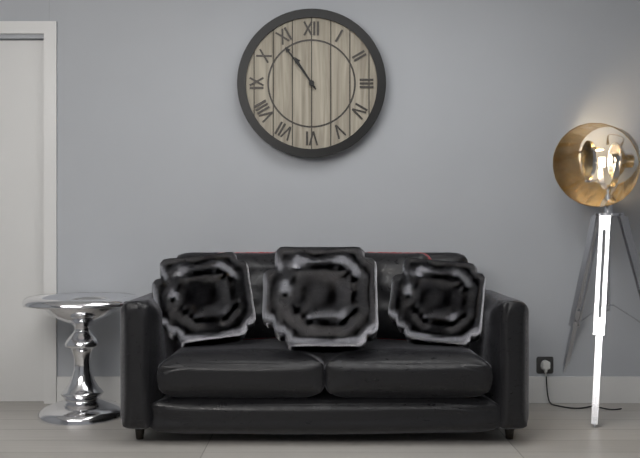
10:54
